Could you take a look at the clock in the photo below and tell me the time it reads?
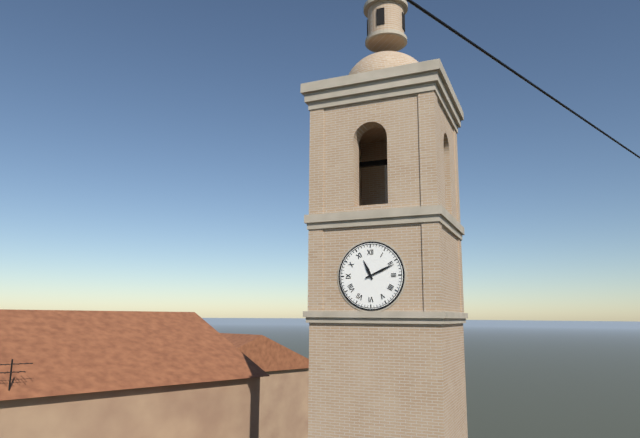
11:11
